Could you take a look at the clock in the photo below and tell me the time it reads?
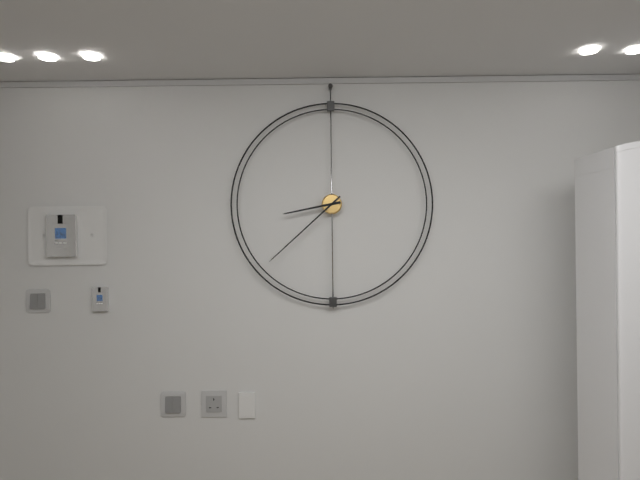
8:38
